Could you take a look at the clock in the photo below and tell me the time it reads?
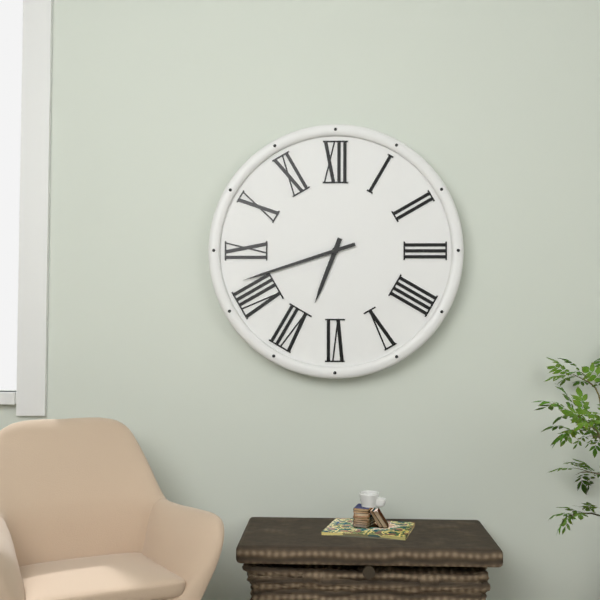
6:42
